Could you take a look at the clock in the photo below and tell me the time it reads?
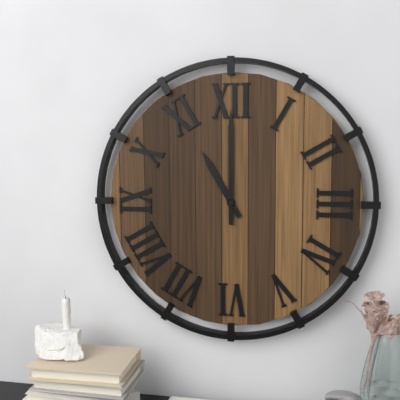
11:00
